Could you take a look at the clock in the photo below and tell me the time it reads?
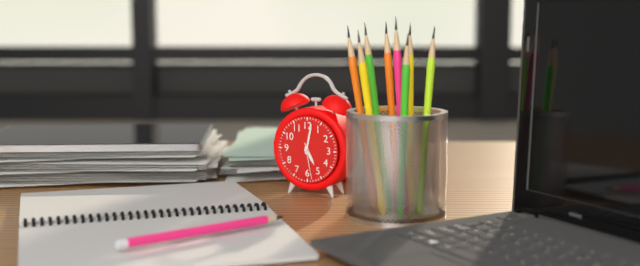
5:02
